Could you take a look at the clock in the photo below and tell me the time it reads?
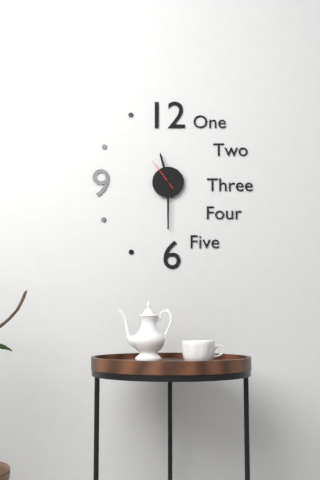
11:30
